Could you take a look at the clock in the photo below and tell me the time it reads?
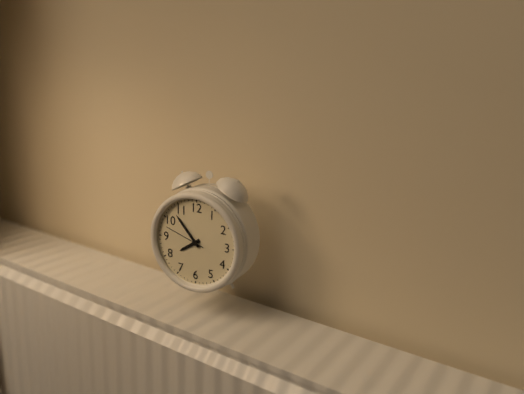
7:53
